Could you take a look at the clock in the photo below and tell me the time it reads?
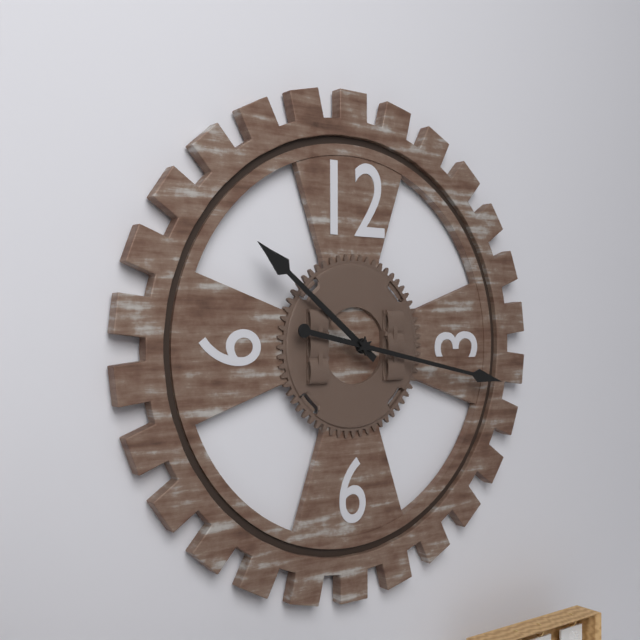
10:17
